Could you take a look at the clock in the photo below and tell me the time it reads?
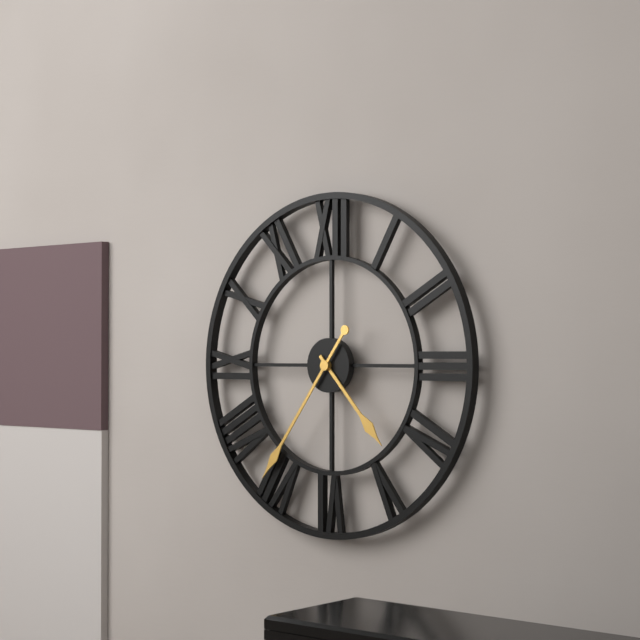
4:36
